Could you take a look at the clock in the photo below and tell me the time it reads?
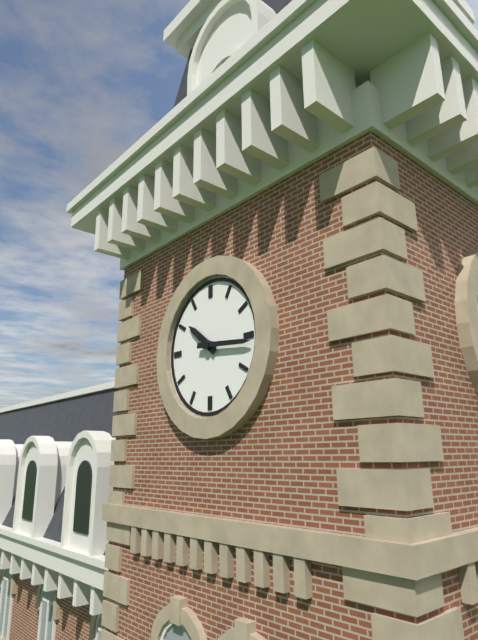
10:16
